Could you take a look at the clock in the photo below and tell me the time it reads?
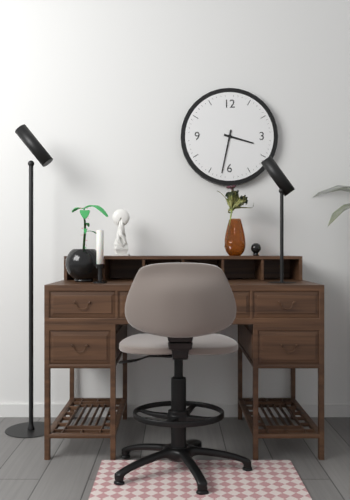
3:32
